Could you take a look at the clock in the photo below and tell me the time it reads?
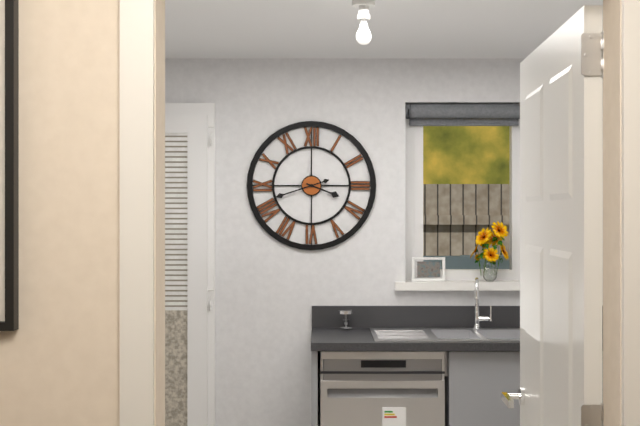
3:42
